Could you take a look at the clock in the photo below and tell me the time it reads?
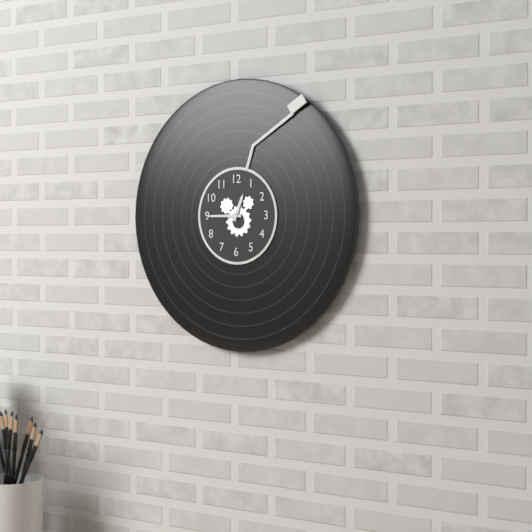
12:45
